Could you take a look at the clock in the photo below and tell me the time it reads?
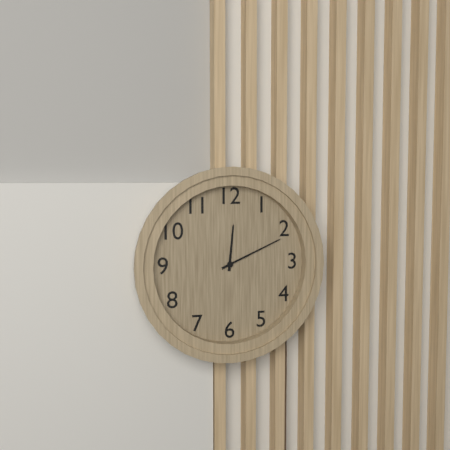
12:11
